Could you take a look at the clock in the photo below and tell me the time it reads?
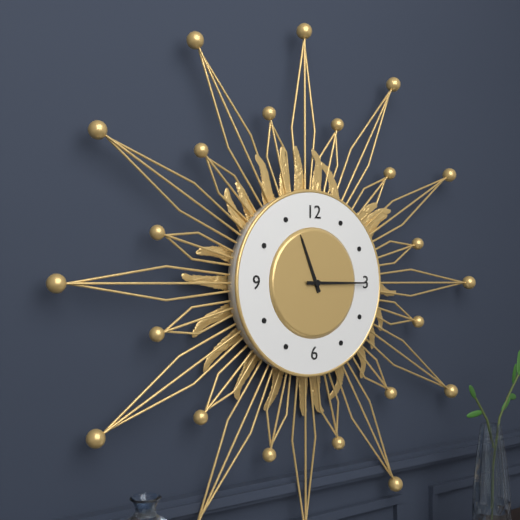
11:15
